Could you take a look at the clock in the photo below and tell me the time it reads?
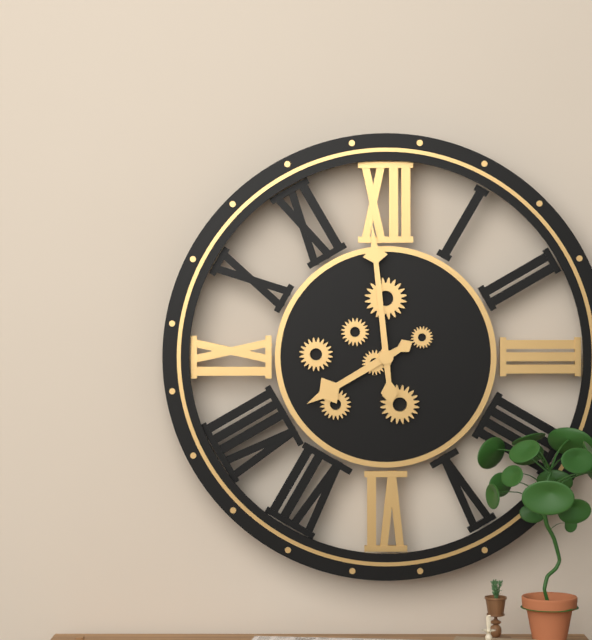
7:59
